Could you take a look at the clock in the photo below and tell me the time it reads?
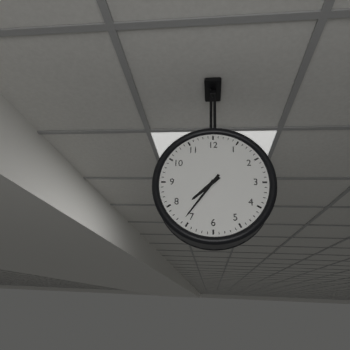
7:36
